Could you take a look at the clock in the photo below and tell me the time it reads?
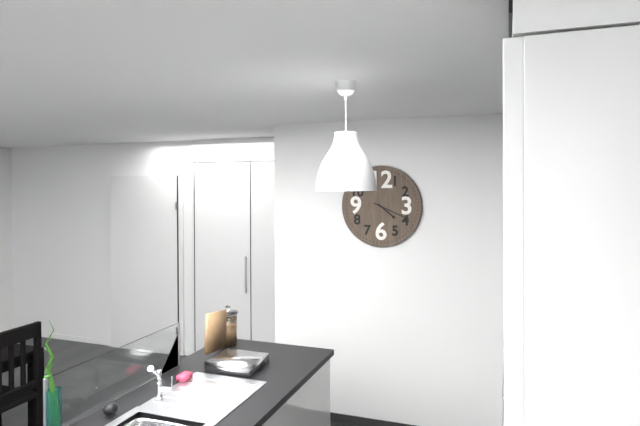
4:19
